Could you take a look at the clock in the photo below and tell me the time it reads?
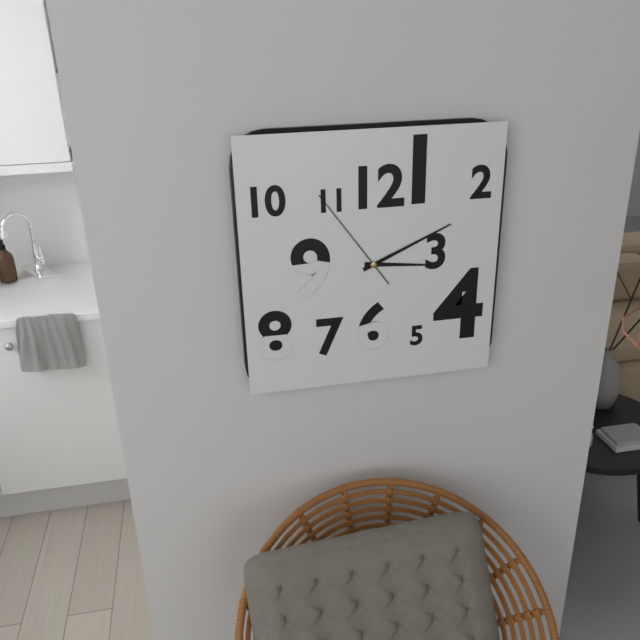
3:11:54
